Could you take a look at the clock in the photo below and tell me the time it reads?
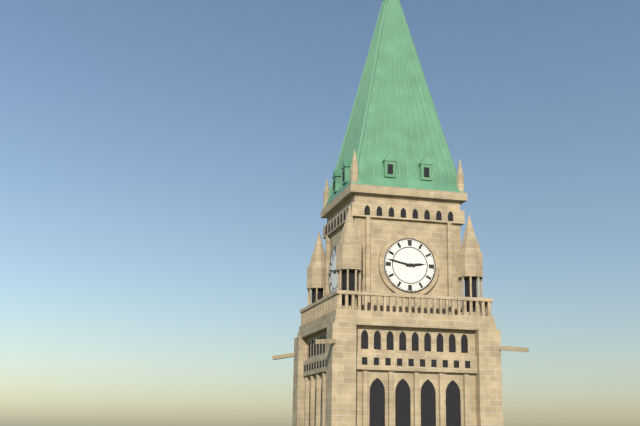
2:47
